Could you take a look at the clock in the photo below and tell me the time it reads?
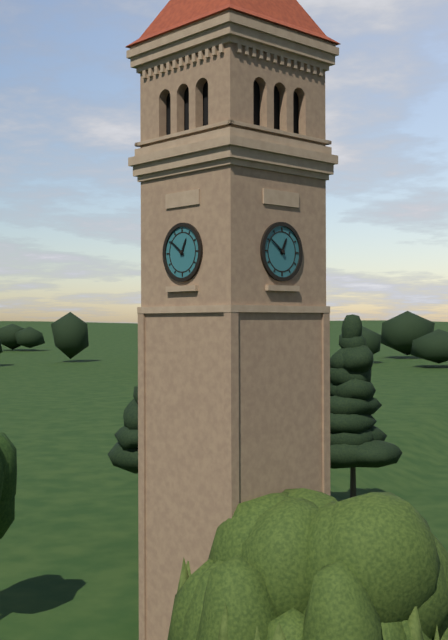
12:51
